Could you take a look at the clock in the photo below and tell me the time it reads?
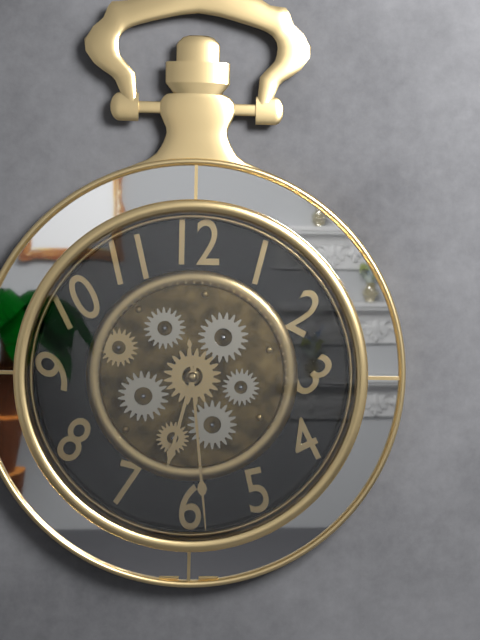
6:29
